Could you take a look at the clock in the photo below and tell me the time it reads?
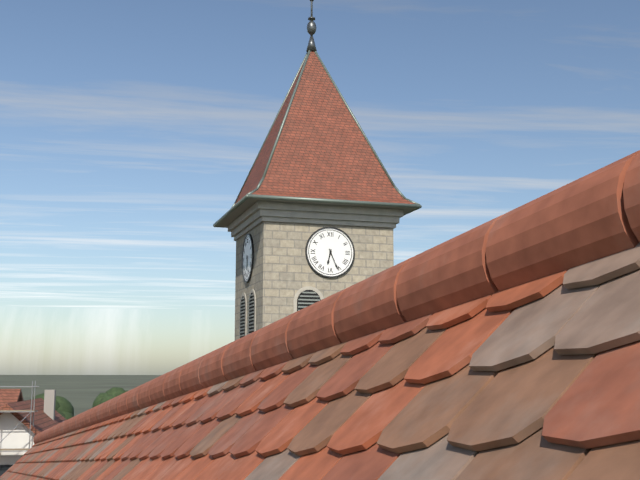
6:26
